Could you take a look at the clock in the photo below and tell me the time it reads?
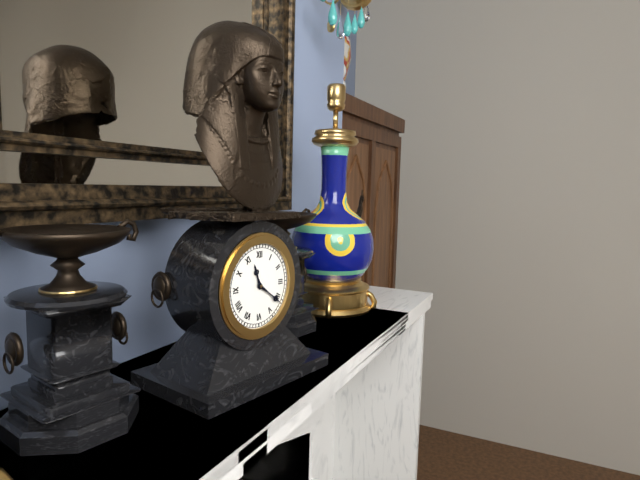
11:21
